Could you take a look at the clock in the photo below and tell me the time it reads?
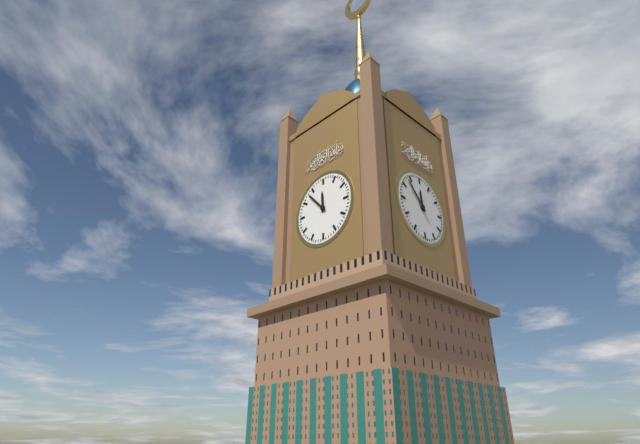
11:53
